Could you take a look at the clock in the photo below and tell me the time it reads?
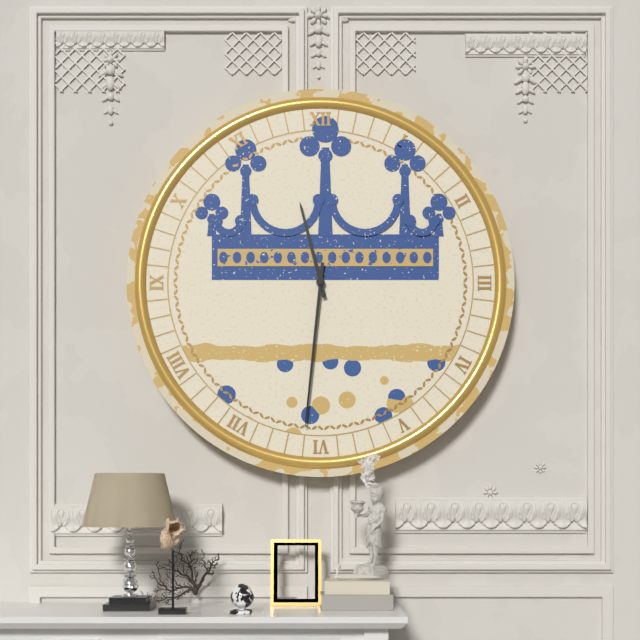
11:31
